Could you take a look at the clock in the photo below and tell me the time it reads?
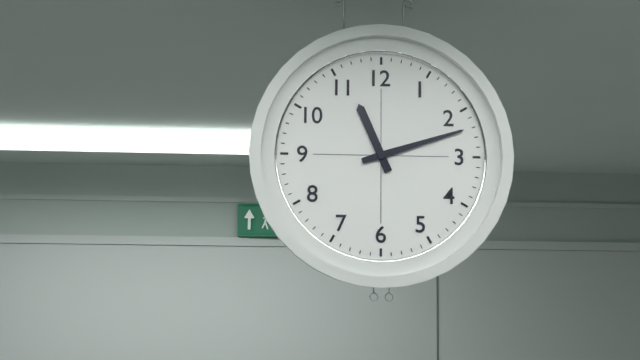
11:12
